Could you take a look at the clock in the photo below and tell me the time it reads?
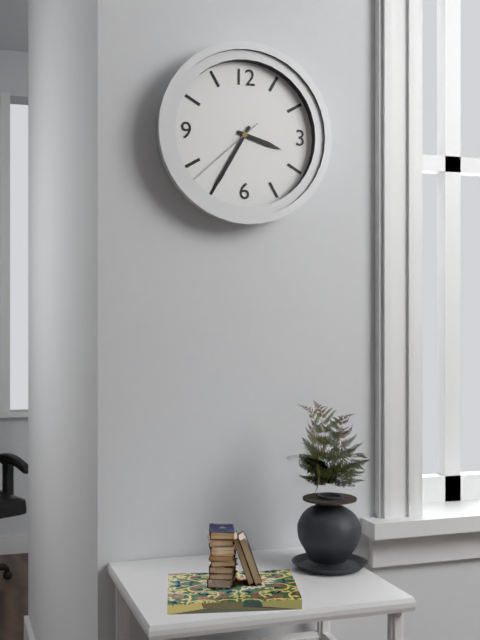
3:35:38
